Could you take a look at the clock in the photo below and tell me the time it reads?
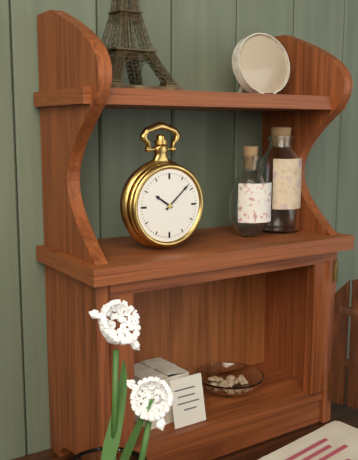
10:08
